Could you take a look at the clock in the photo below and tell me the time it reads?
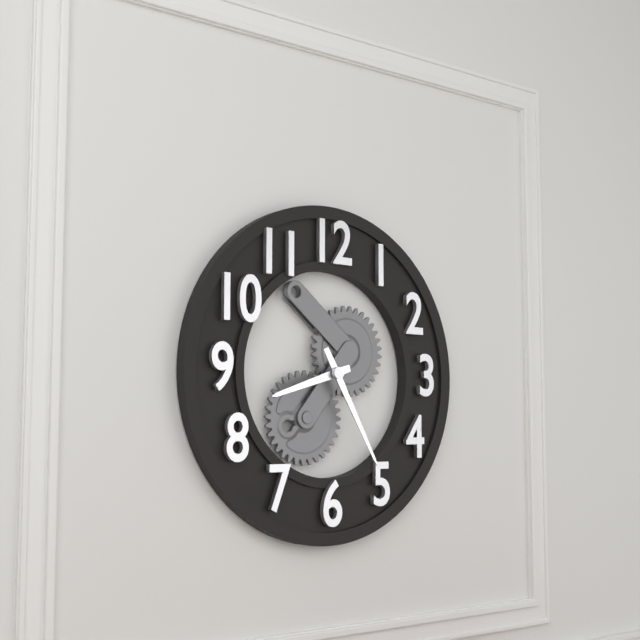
8:25
